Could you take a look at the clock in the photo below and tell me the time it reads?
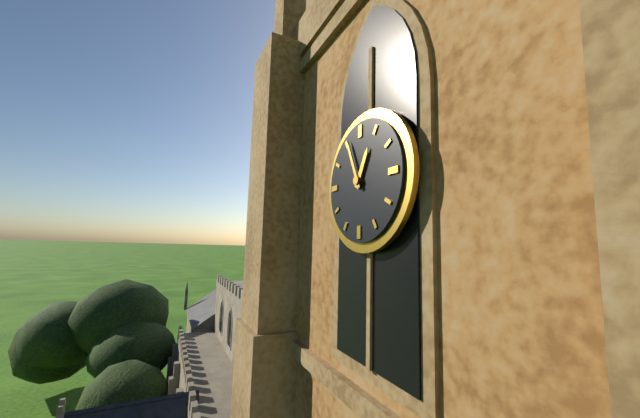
12:56
